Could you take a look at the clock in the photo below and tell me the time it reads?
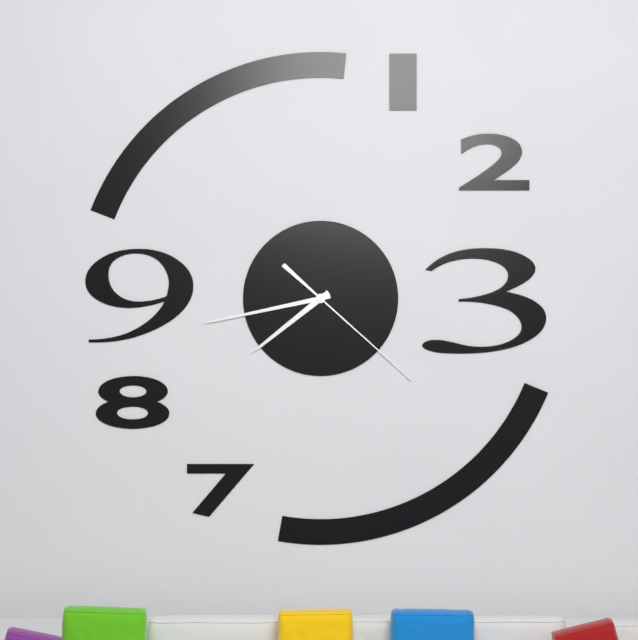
7:43:22
